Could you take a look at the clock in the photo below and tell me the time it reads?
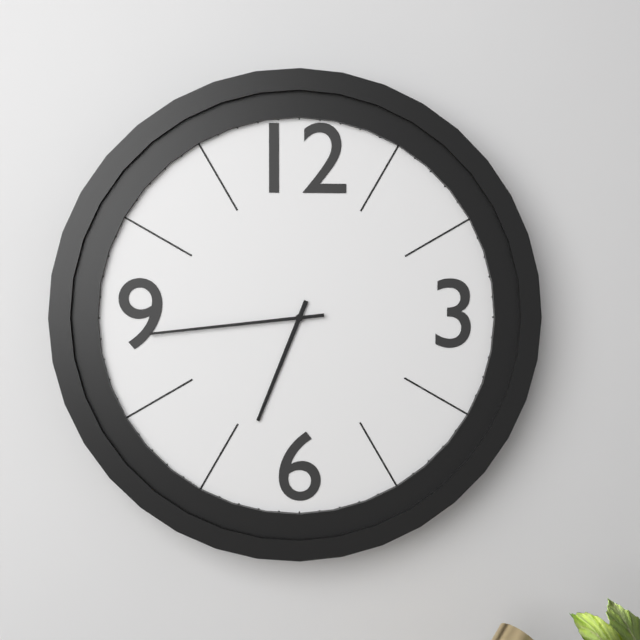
6:44
